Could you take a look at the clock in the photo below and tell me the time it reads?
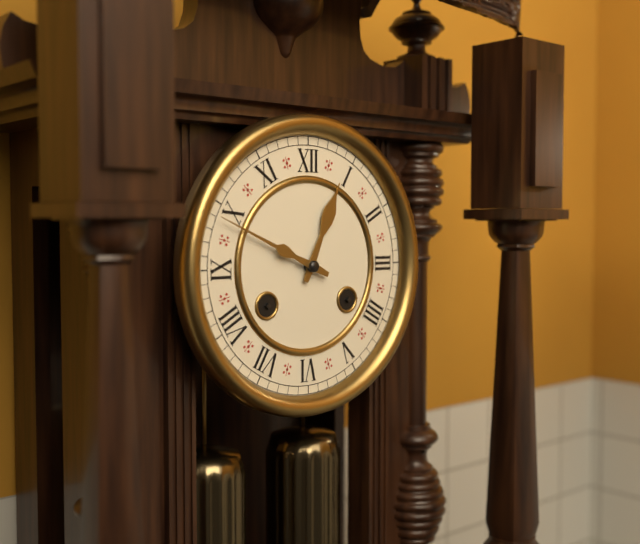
12:49
